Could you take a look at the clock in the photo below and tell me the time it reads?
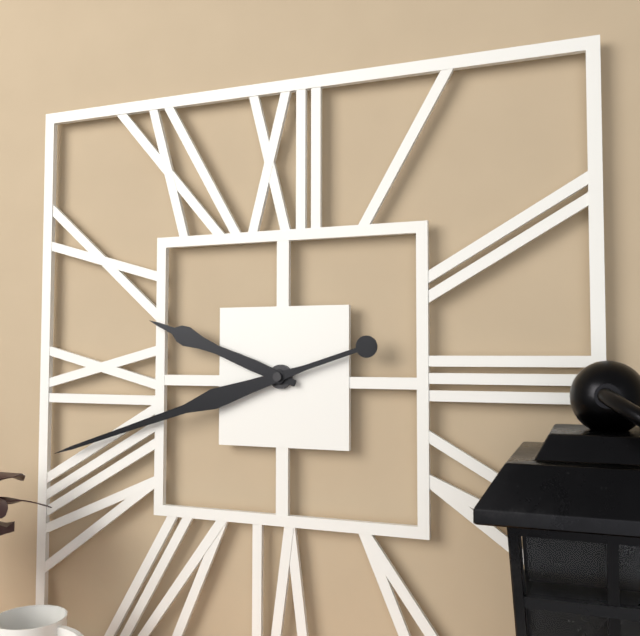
9:42
